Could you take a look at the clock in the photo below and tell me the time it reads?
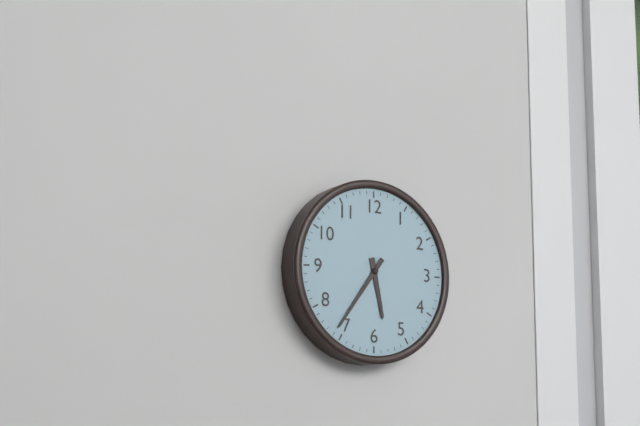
5:36
